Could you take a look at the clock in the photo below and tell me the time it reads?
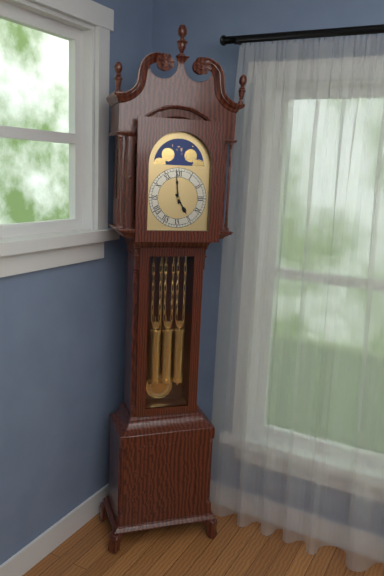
4:59
